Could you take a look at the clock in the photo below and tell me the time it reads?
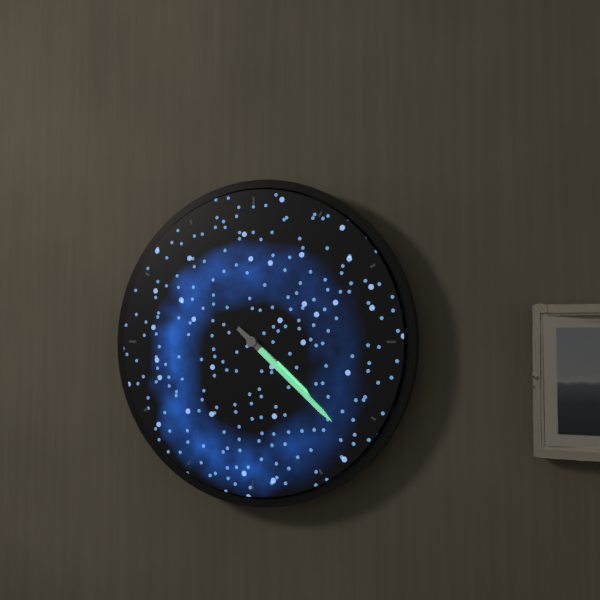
4:22
